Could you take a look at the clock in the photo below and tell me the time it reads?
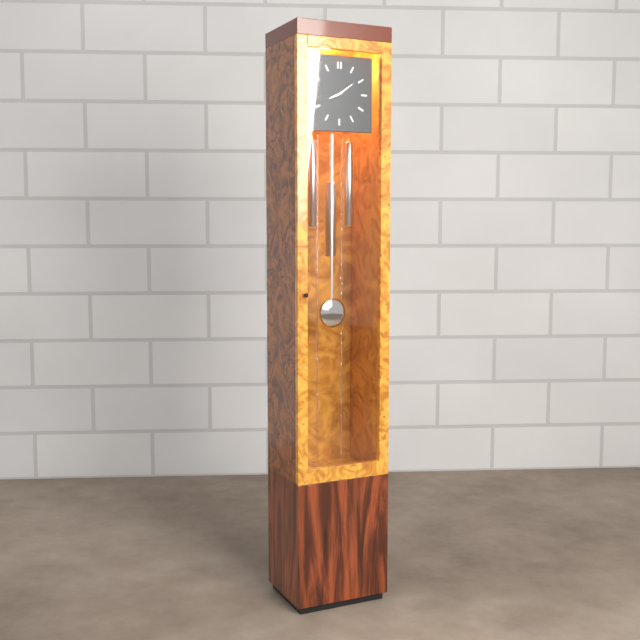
8:09
